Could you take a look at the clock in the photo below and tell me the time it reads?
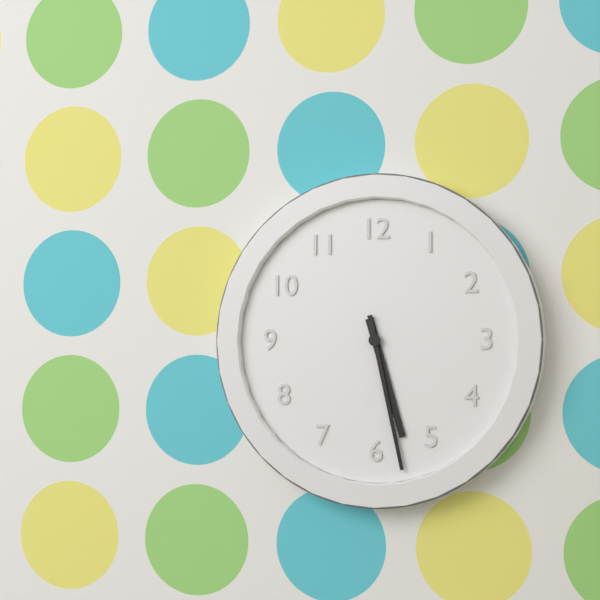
5:28
